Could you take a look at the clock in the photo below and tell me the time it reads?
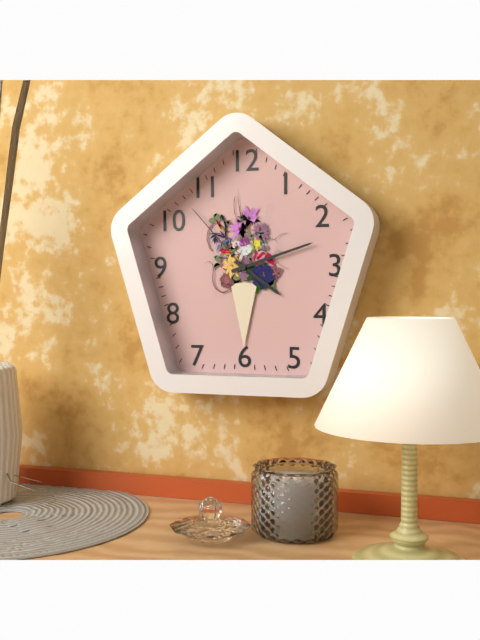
4:12:53
